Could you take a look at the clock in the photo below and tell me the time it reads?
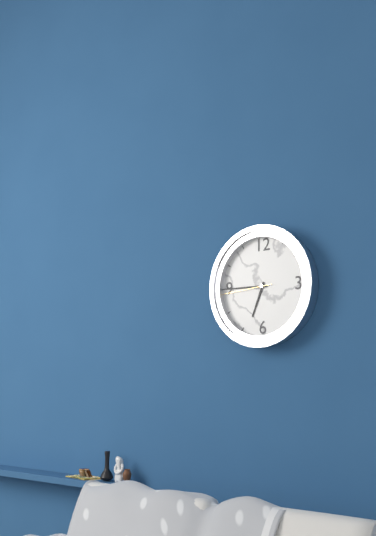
6:45:44
